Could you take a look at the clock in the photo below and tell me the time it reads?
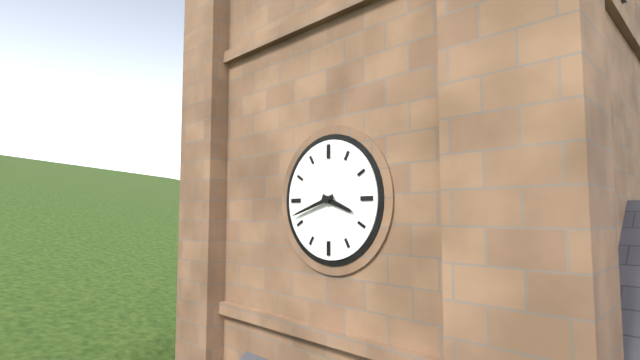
3:42
